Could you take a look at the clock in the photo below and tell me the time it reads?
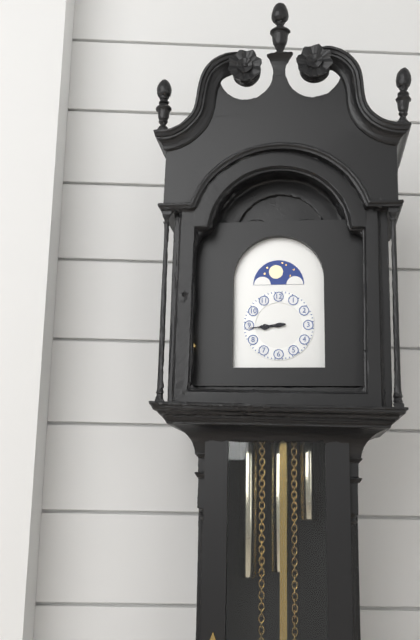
8:44
